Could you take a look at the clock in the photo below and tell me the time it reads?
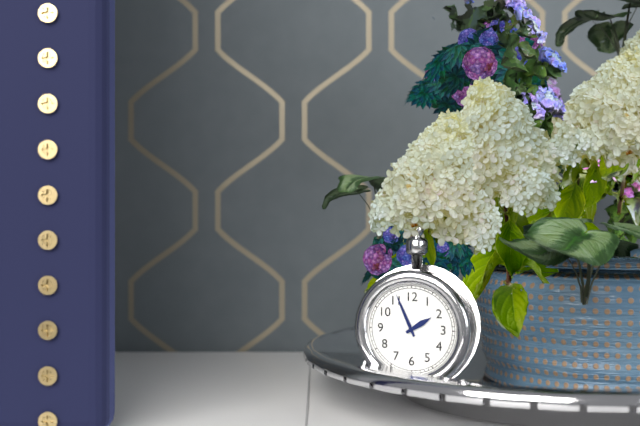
1:56
